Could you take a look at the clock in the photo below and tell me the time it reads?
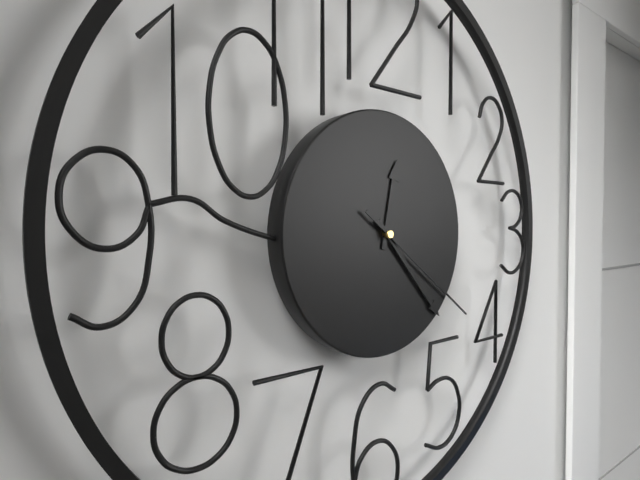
12:23:21
